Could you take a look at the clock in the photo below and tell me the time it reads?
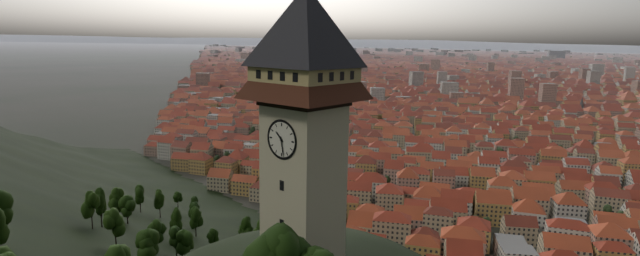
10:28
